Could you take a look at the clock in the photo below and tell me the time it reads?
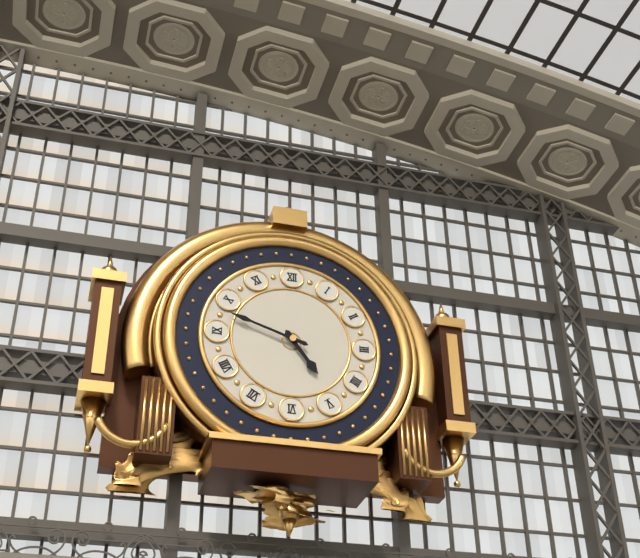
4:48
